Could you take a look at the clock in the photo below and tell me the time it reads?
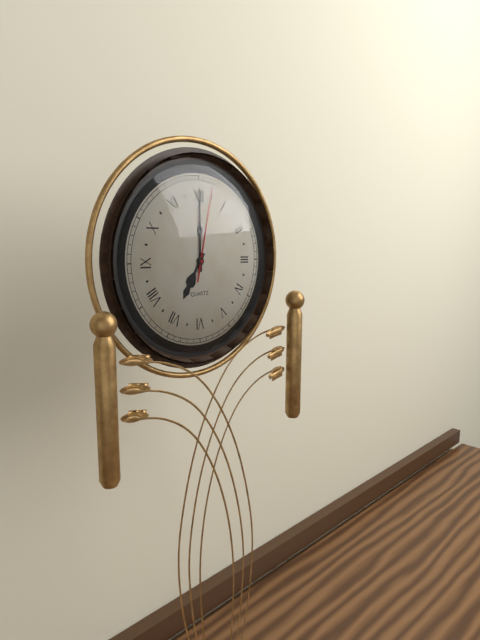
7:00:02
